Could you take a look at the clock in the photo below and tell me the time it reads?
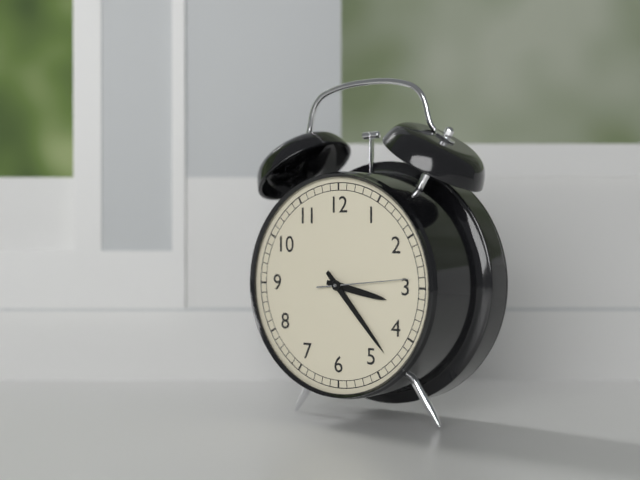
3:23:14
